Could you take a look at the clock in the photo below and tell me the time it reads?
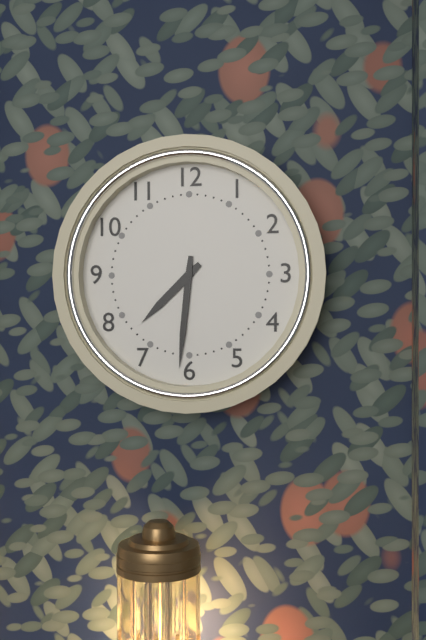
7:31
